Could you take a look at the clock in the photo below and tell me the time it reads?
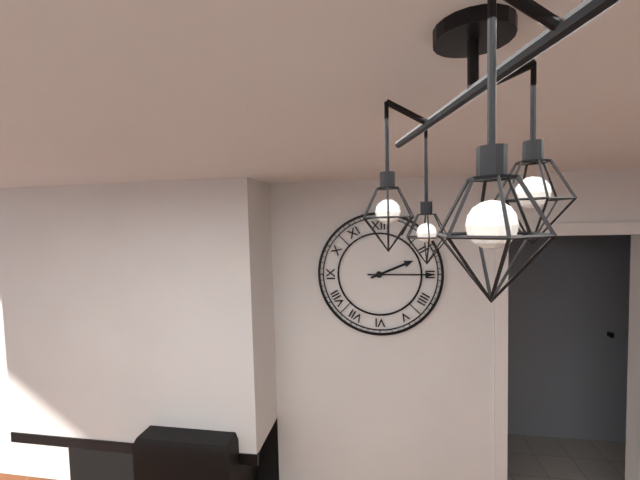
2:15
